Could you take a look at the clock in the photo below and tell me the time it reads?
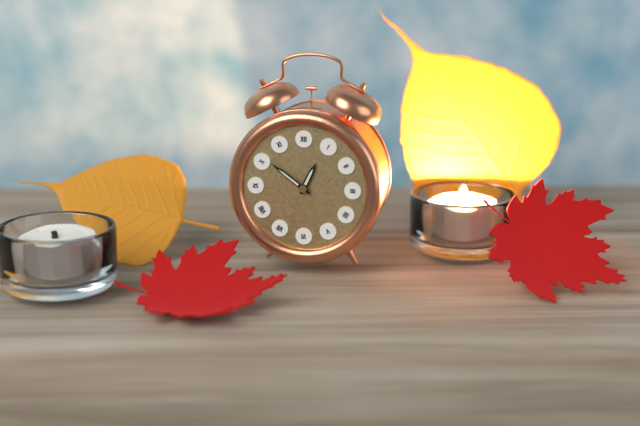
12:51
